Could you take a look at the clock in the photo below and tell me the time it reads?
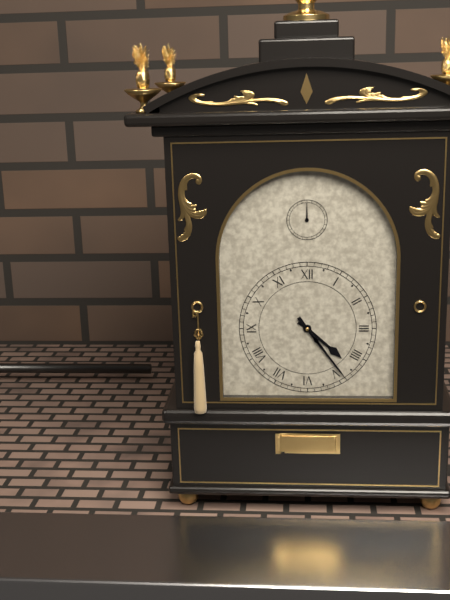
4:24
